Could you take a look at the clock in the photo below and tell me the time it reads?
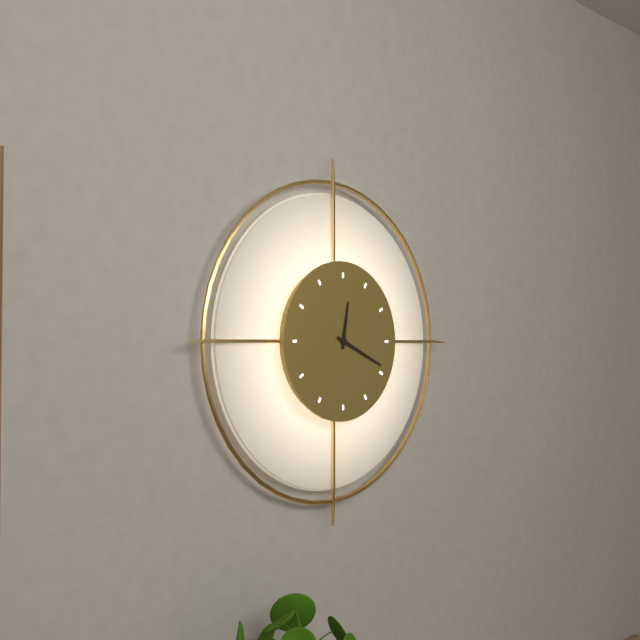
12:19
